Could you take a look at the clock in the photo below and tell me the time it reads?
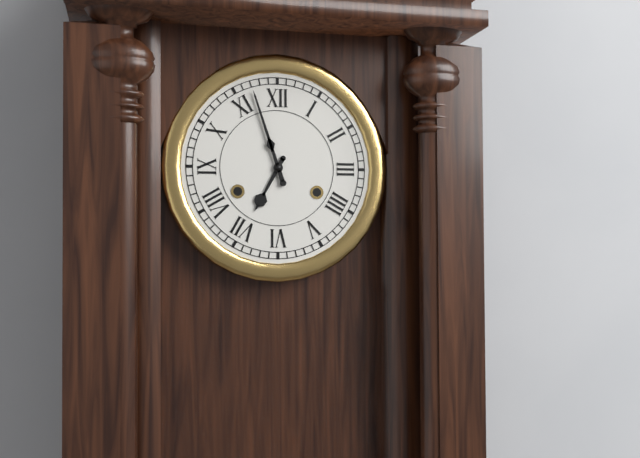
6:57
